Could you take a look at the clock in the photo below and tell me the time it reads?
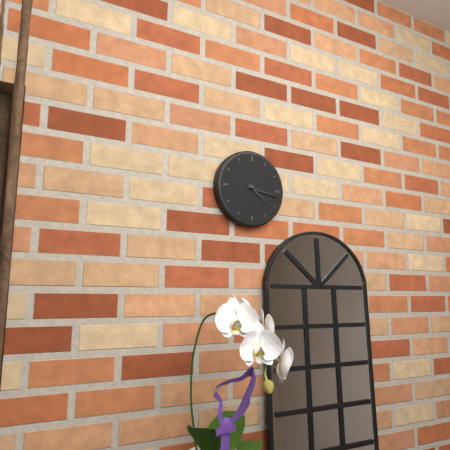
4:17
